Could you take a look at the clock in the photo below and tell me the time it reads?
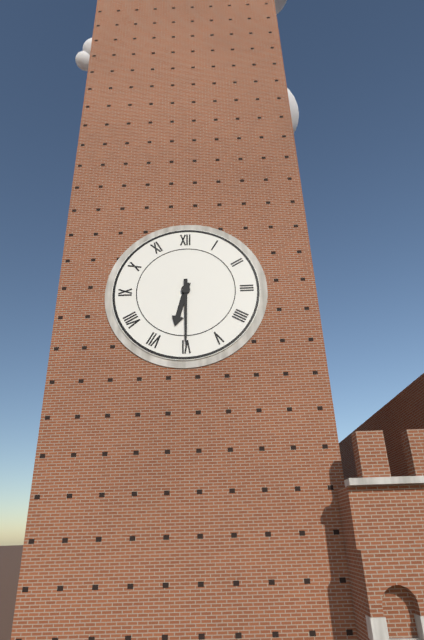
6:30
